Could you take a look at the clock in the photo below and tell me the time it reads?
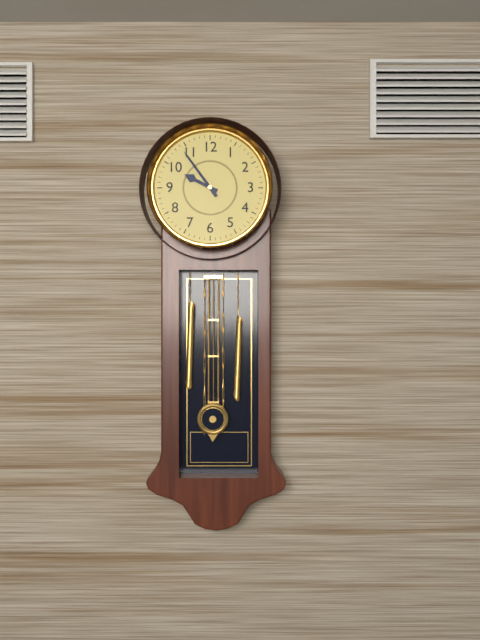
9:54
